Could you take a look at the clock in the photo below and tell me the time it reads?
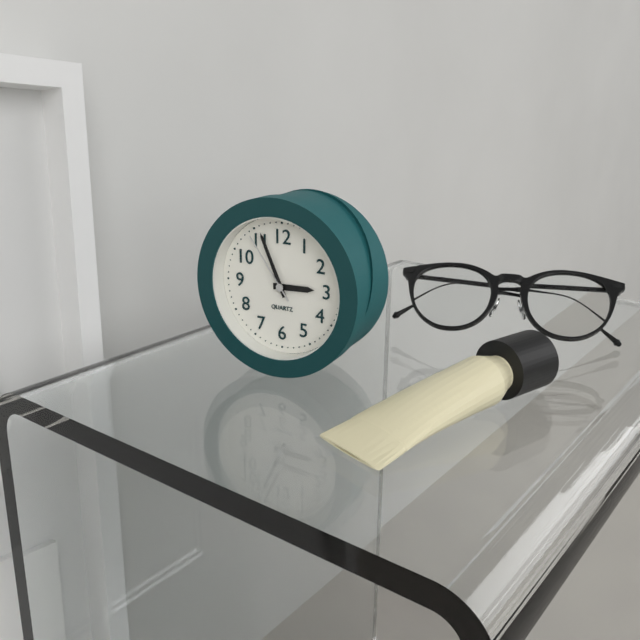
2:56:54
